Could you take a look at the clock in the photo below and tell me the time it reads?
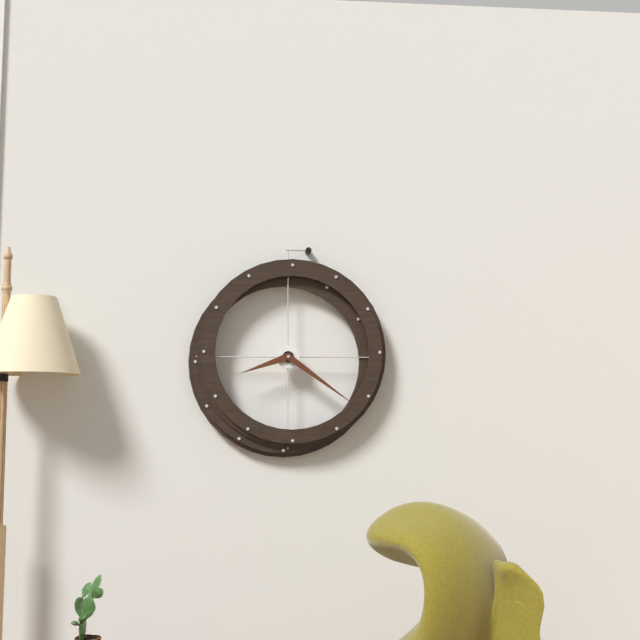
8:21
